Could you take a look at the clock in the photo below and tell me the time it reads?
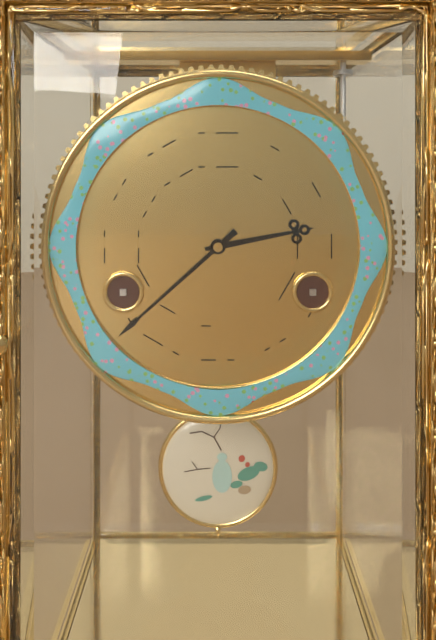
2:38
